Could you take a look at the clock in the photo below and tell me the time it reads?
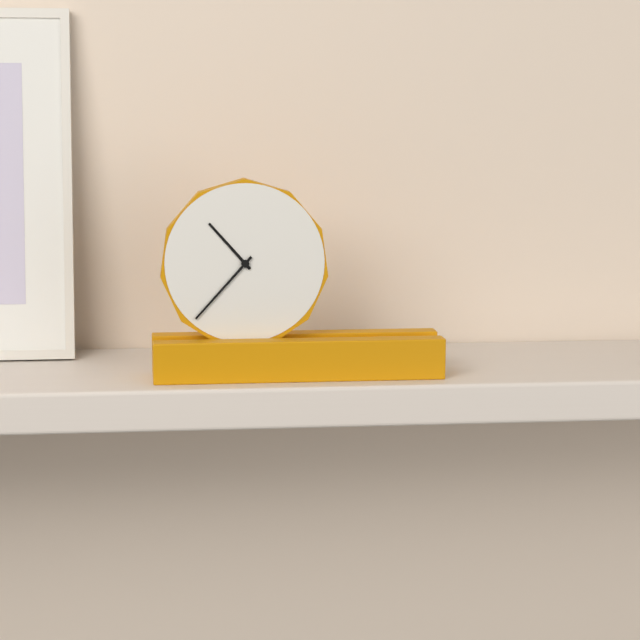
10:37
